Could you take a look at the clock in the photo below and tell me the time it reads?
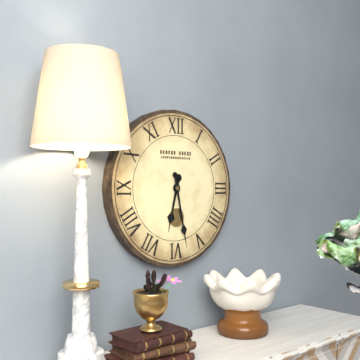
6:28
